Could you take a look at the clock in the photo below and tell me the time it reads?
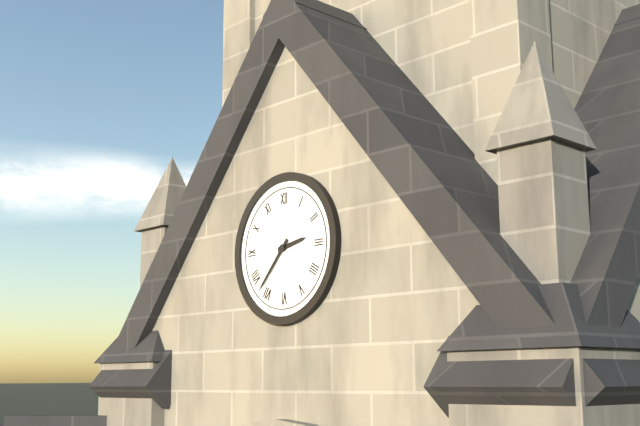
2:37
